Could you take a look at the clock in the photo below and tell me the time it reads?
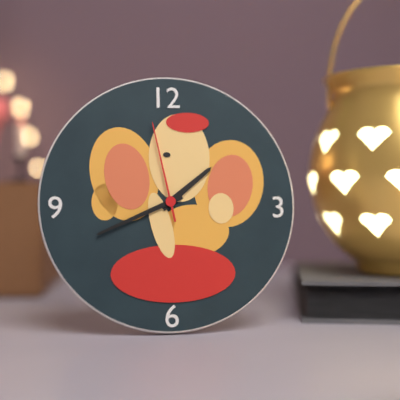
1:41:58
